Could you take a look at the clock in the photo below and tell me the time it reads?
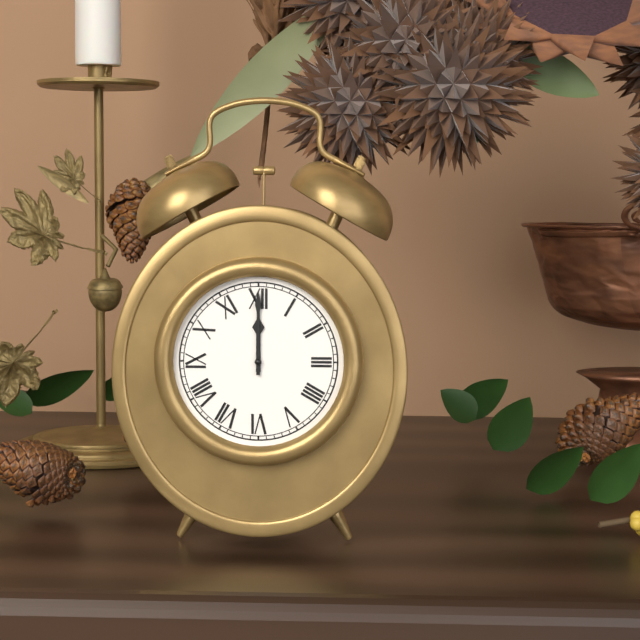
12:00
